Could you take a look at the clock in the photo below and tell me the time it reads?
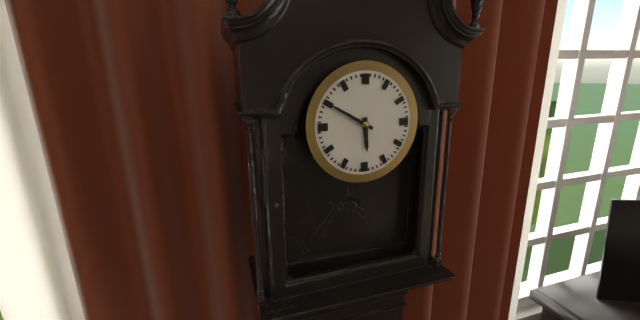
5:50
